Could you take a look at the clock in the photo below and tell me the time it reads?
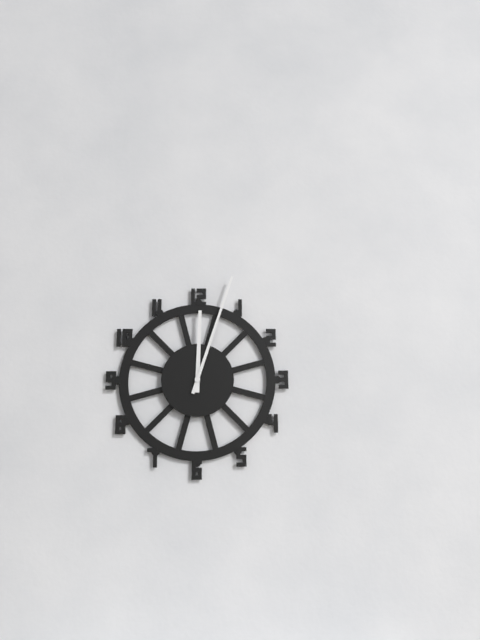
12:03
